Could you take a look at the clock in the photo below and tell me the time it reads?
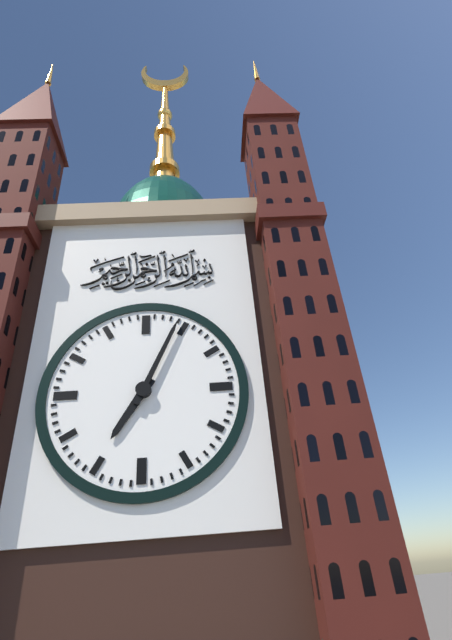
7:04
